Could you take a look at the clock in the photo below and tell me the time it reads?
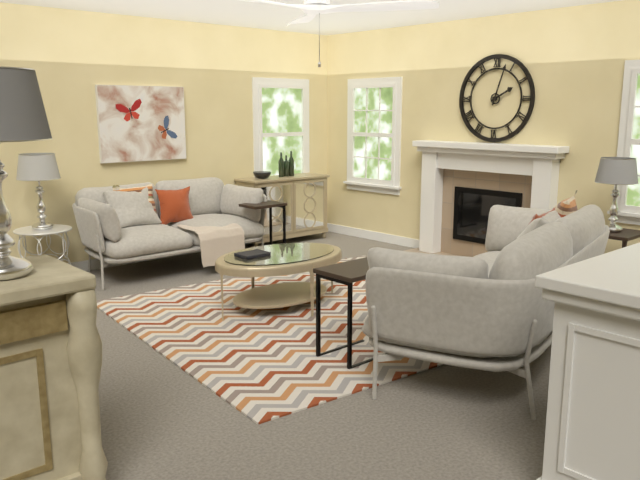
2:03
